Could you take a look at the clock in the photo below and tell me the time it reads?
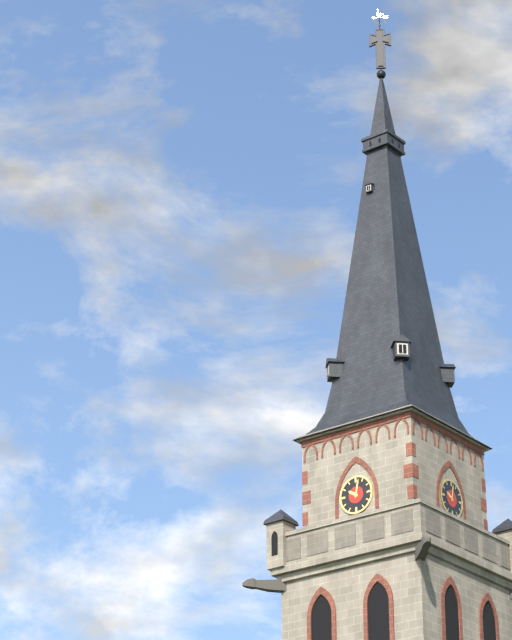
10:02
